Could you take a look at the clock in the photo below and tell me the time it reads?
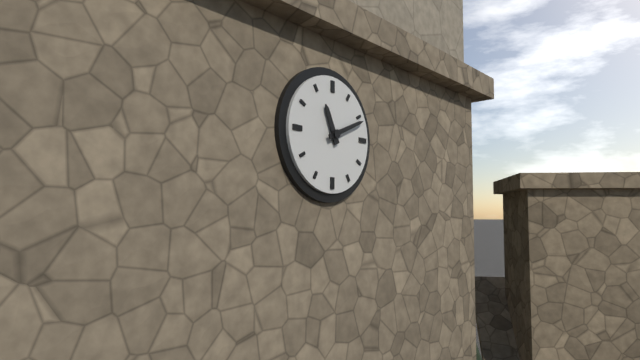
11:11
